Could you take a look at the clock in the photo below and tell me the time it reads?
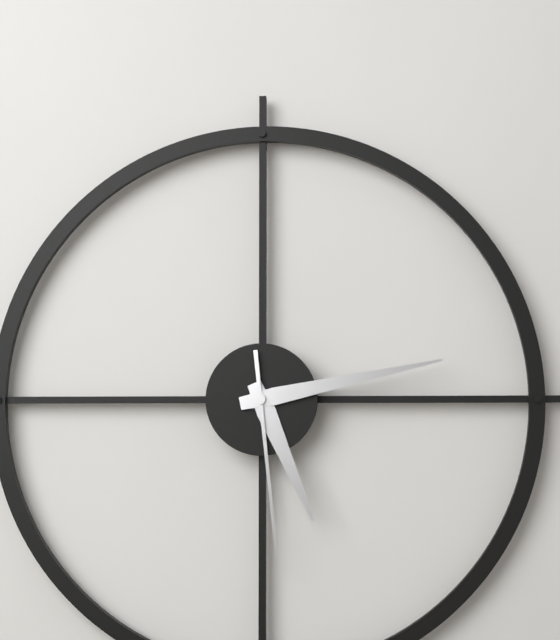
5:13:29
